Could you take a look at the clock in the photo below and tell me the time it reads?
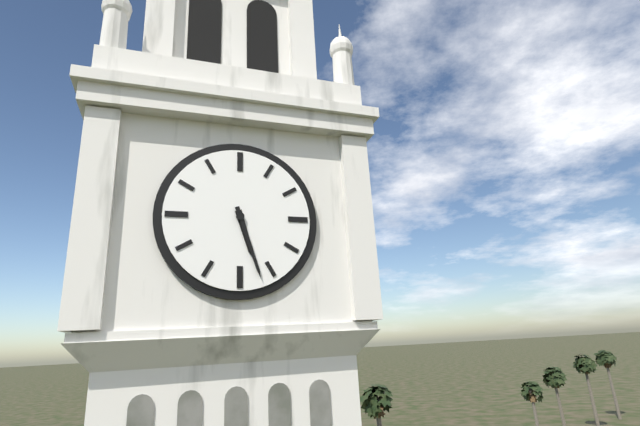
5:27
